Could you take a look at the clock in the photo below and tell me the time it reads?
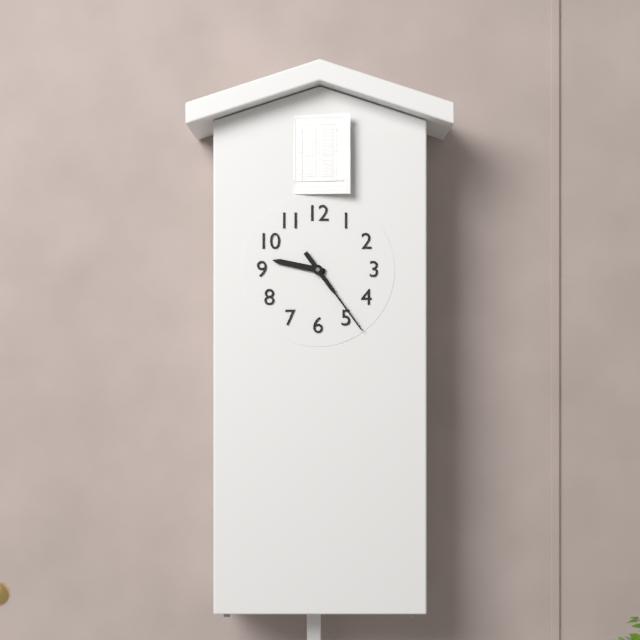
9:24
